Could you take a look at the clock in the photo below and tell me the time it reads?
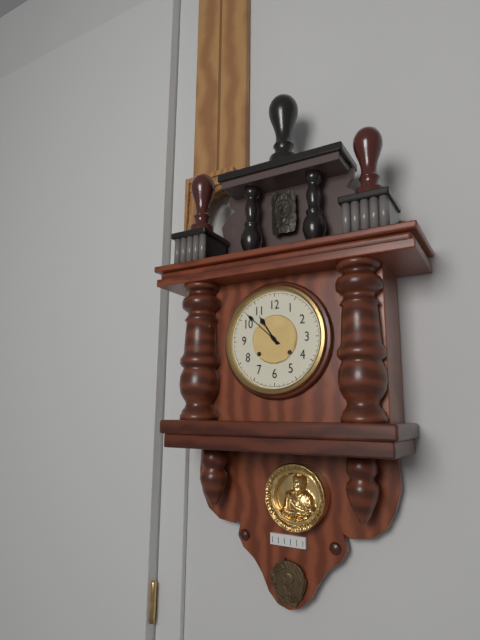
10:52
